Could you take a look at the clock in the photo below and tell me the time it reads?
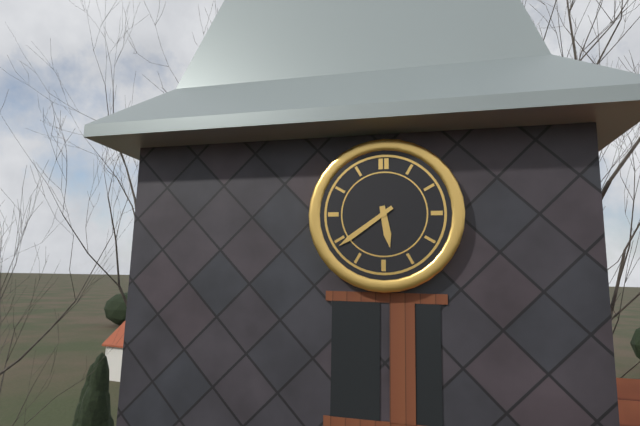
5:39
